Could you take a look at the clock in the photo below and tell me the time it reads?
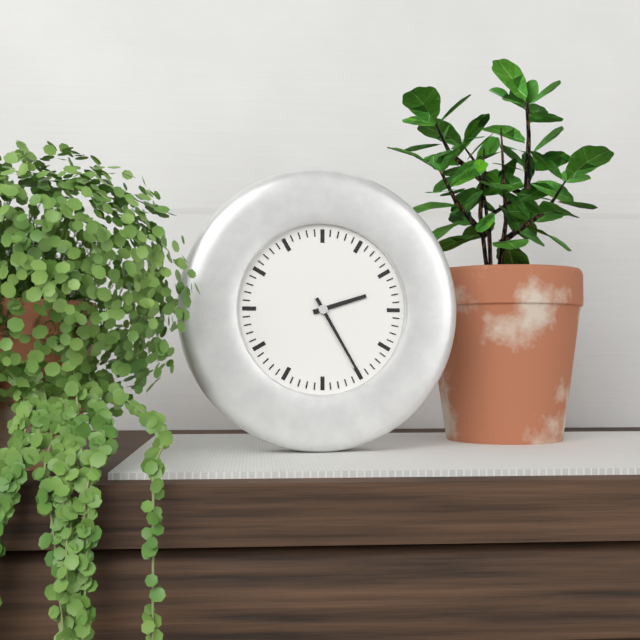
2:25
